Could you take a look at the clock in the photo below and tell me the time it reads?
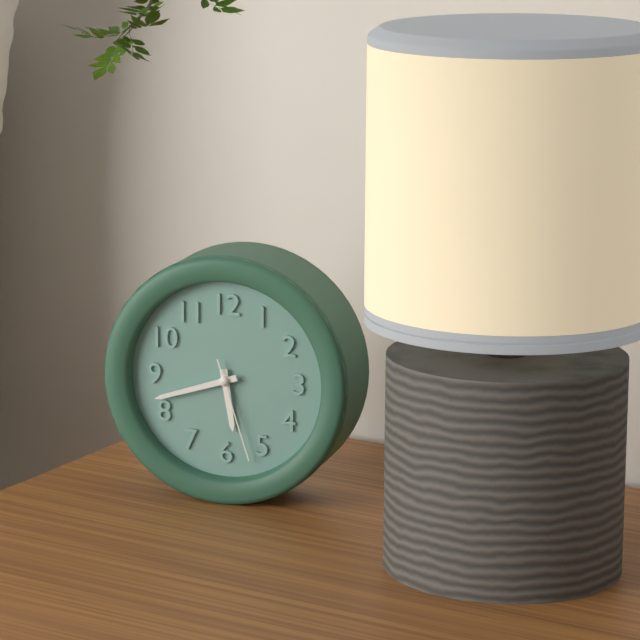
5:42:27
